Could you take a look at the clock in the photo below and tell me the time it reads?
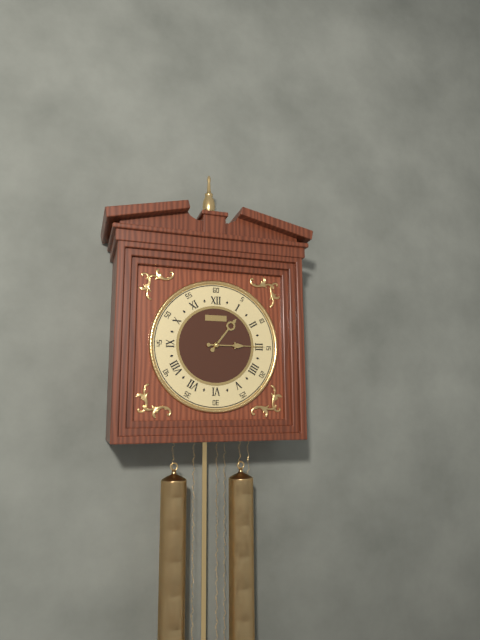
1:15
